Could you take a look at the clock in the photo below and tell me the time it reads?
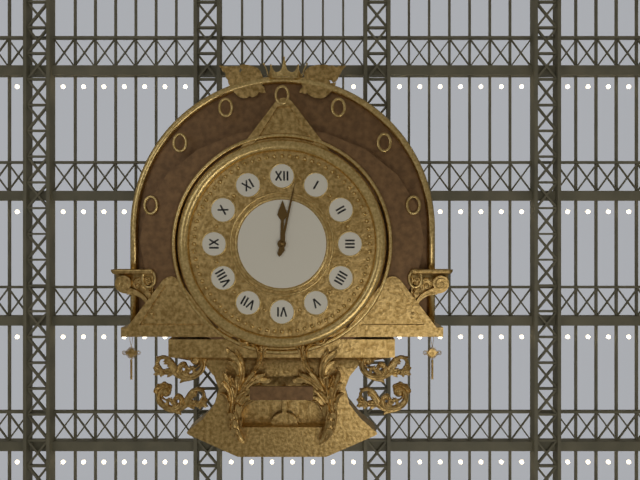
12:02
